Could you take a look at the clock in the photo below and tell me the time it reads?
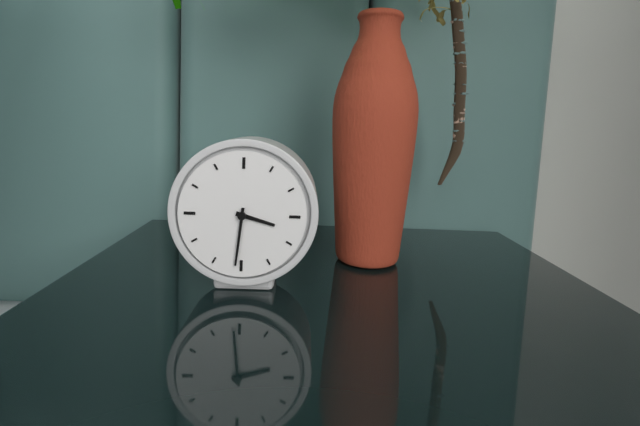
3:31
